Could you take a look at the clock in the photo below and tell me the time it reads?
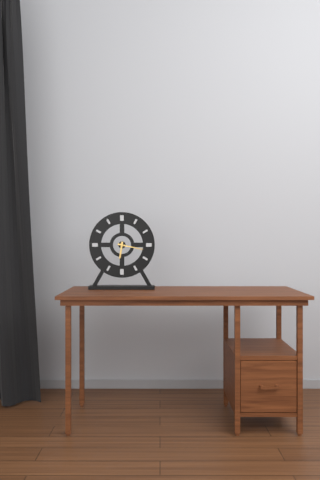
6:17
